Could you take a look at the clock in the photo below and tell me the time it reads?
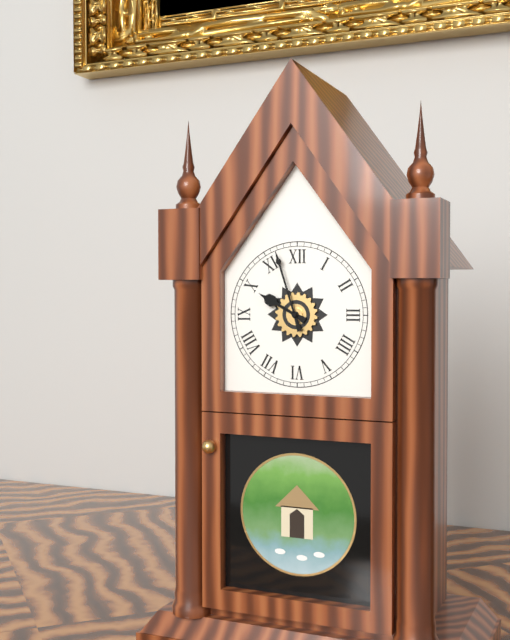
9:57
